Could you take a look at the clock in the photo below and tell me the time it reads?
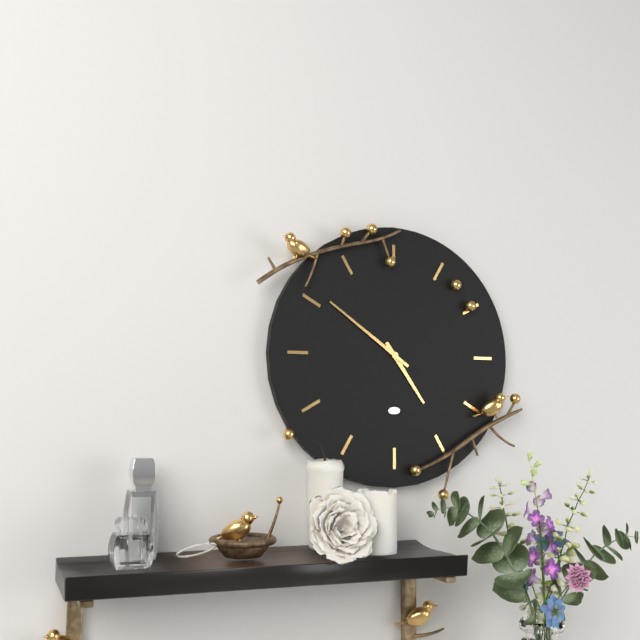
4:51
